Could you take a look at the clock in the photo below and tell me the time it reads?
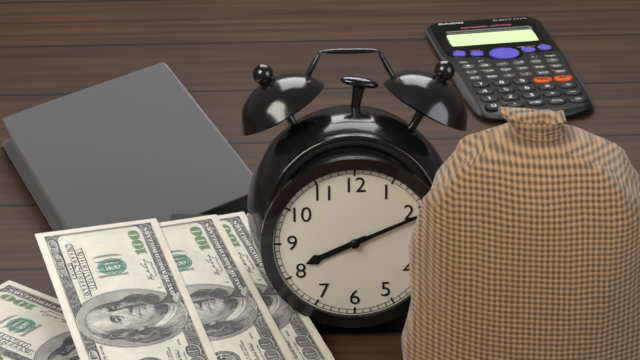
8:11
